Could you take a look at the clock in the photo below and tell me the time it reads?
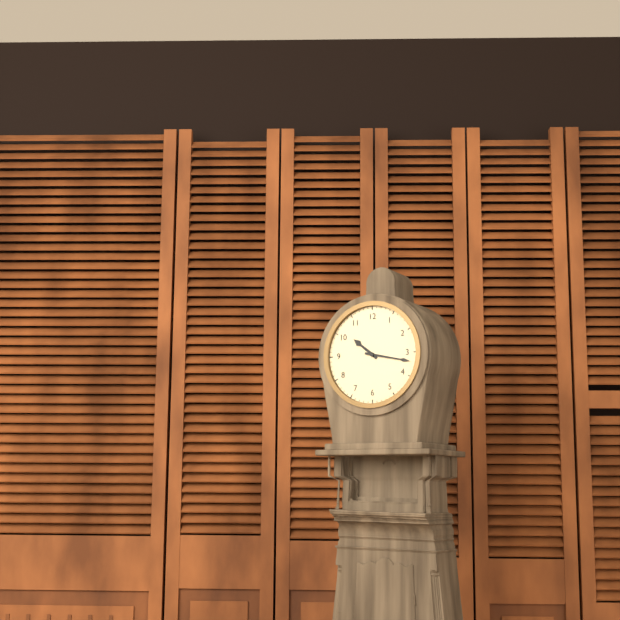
10:17
